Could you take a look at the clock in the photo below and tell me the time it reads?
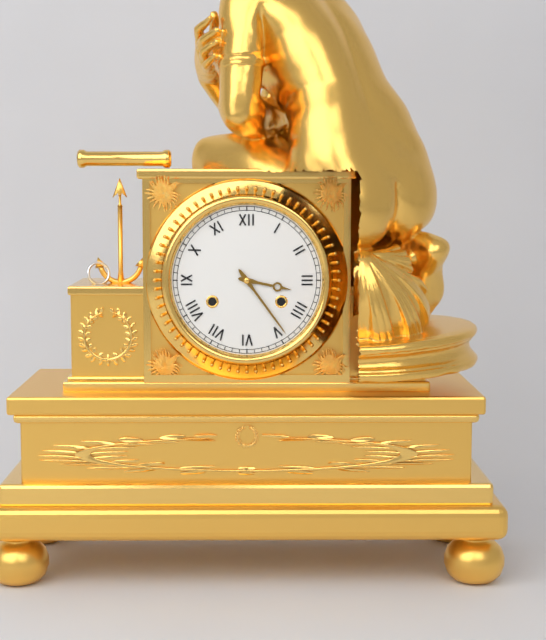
3:24
